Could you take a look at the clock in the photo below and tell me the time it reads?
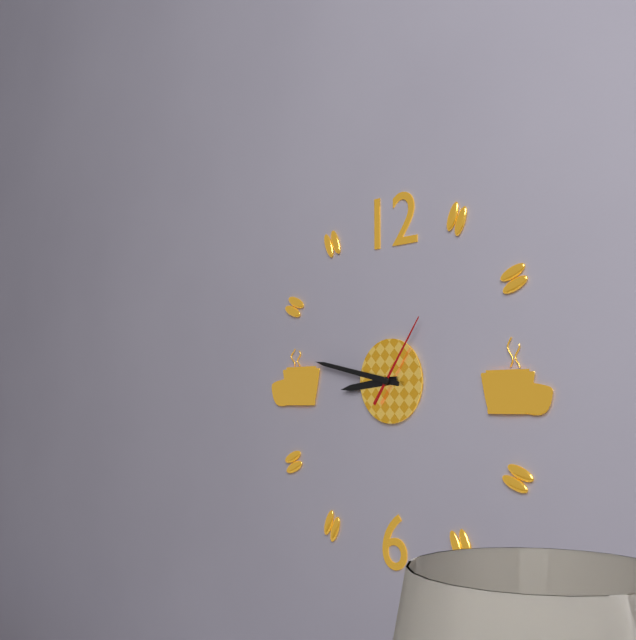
8:47:06
